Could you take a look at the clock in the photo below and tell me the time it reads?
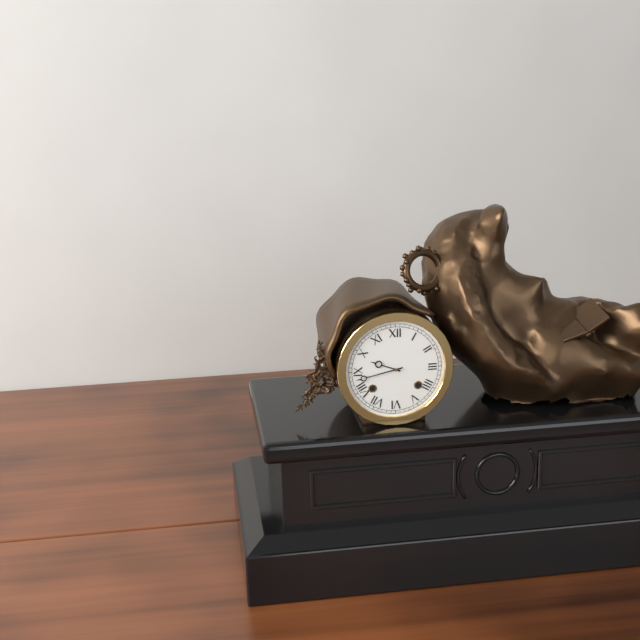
9:43
